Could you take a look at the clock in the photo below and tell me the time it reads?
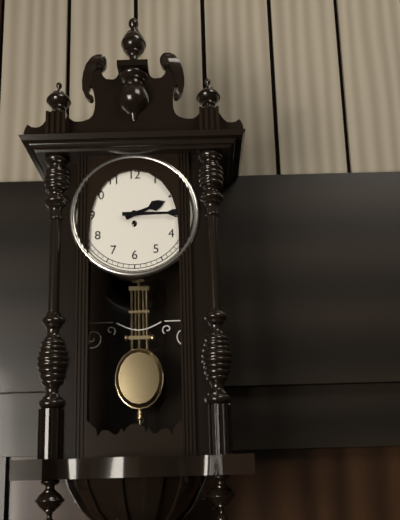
2:15
